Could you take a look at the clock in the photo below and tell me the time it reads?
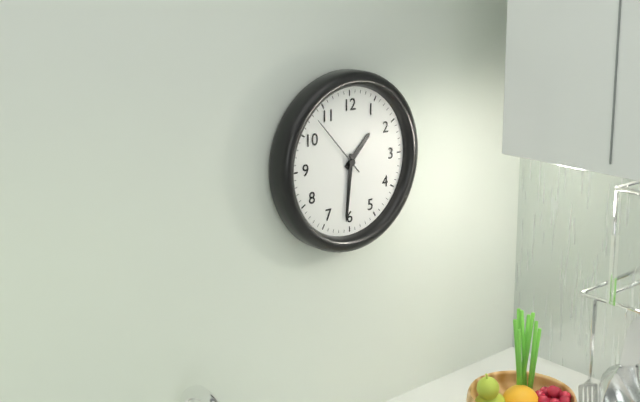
1:31:53
